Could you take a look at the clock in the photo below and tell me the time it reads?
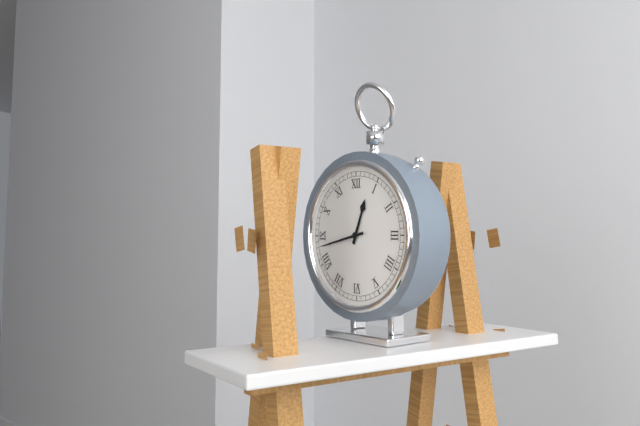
12:43
